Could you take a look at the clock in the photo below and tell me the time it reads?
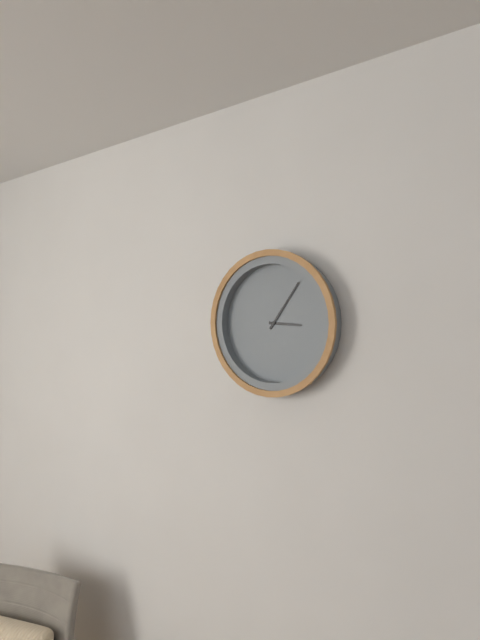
3:06
